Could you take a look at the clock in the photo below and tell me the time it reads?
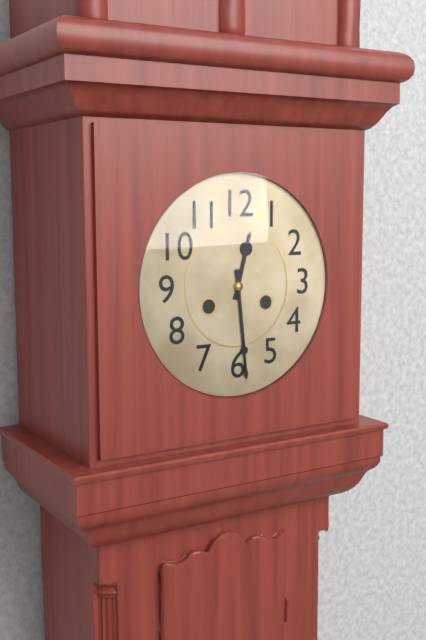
12:29
